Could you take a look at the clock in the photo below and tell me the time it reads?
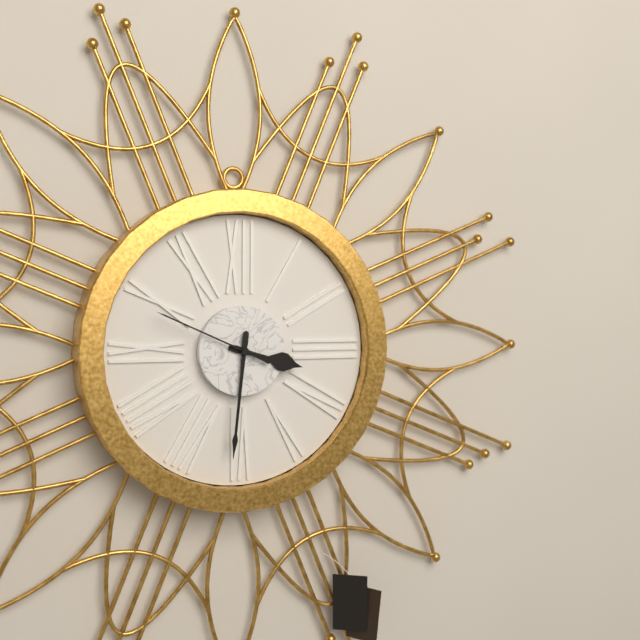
3:31:49
